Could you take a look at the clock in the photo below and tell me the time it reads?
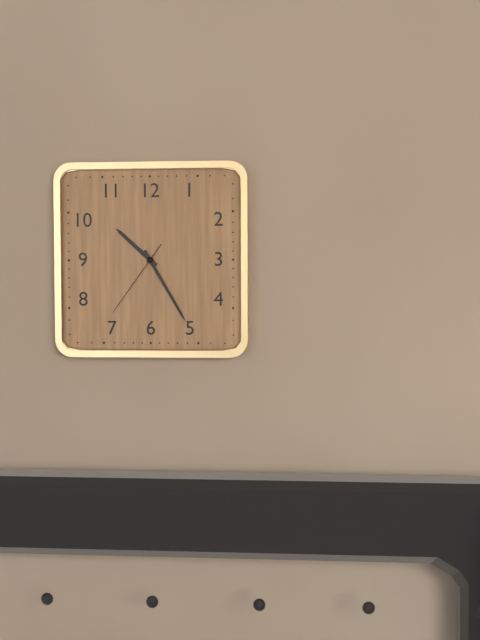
10:25:36
